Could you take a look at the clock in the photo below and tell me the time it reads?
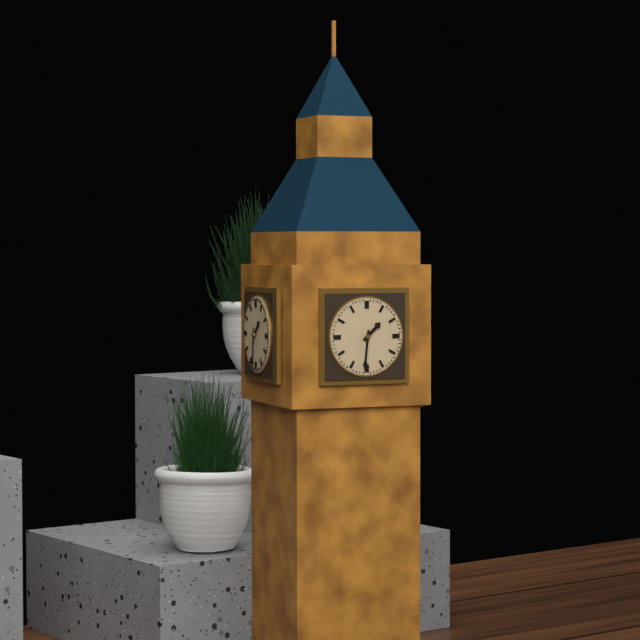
1:31
